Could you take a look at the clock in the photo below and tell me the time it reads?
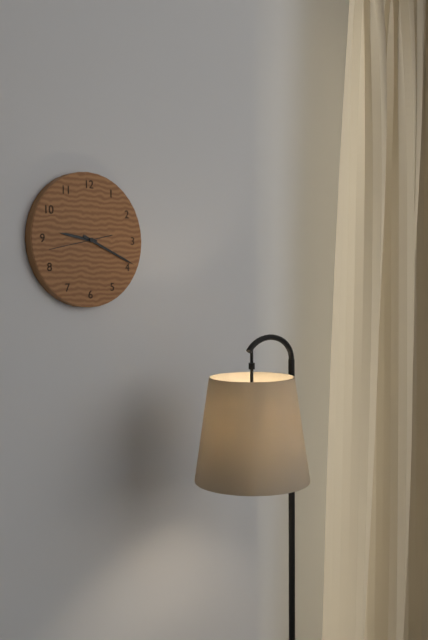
9:19:43
